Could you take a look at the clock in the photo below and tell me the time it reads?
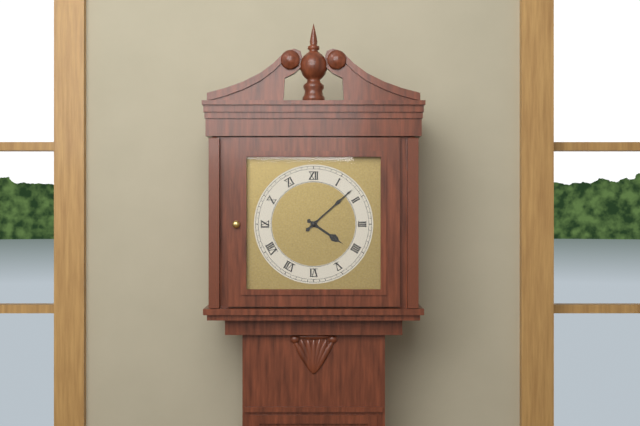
4:08
